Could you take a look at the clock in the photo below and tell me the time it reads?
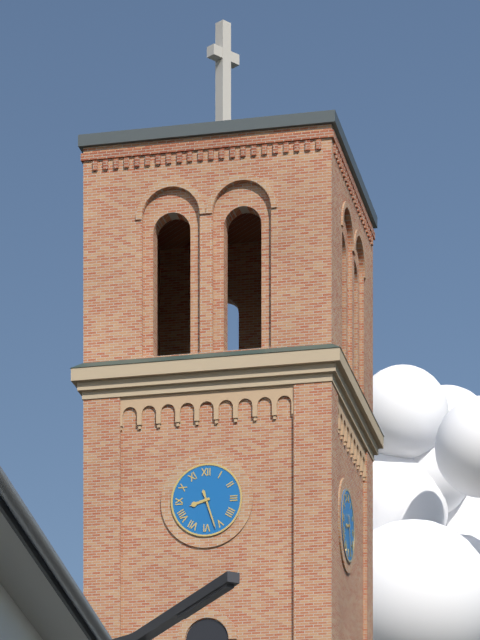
8:27
